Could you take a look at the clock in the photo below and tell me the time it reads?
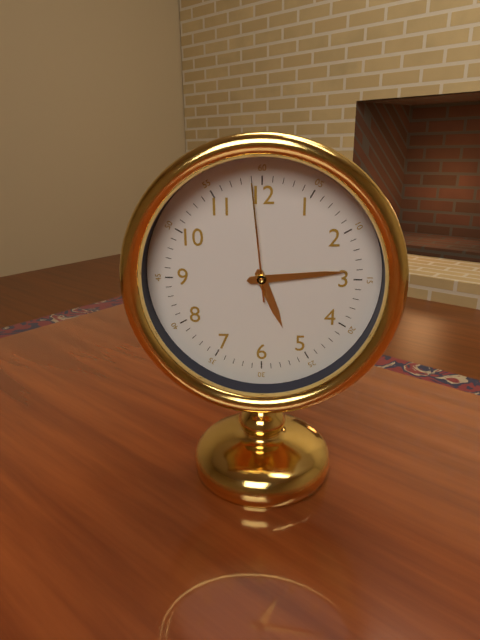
5:14:59
